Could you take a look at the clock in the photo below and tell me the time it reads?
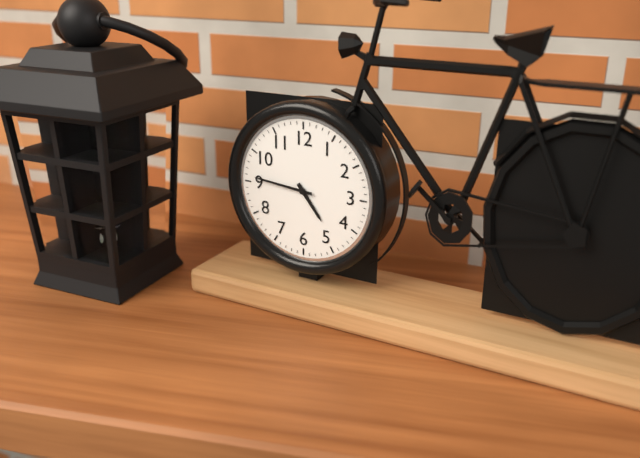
4:46
